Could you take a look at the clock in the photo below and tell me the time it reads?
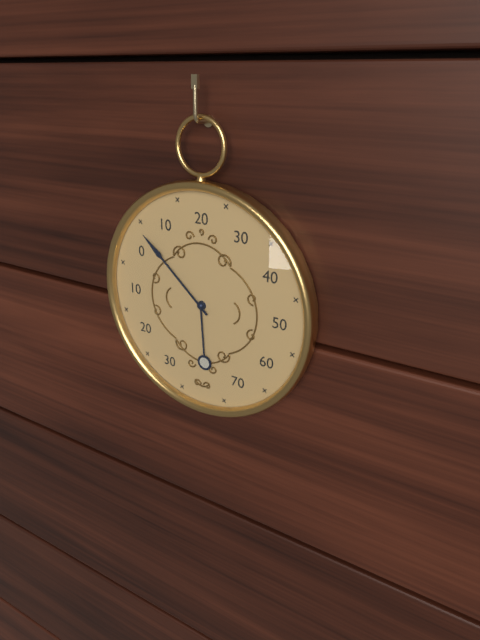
5:52
